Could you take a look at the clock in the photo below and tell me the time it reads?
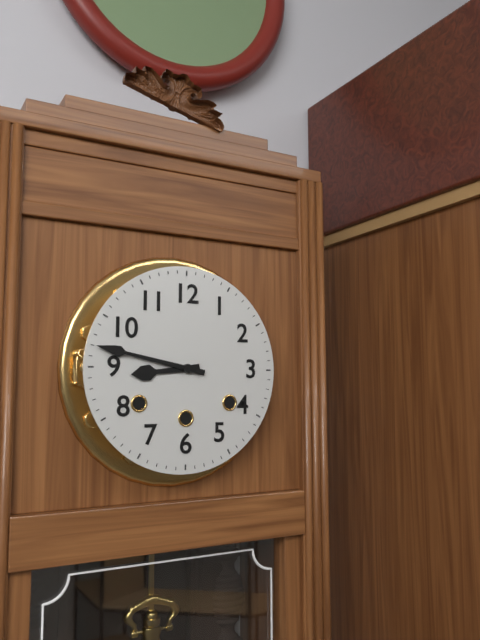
8:47
